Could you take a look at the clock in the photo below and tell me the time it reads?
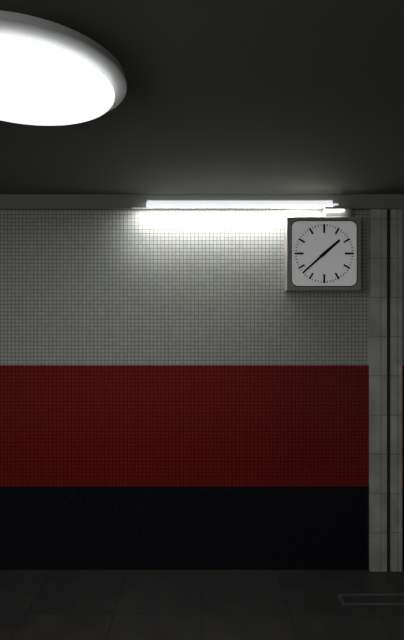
1:38
